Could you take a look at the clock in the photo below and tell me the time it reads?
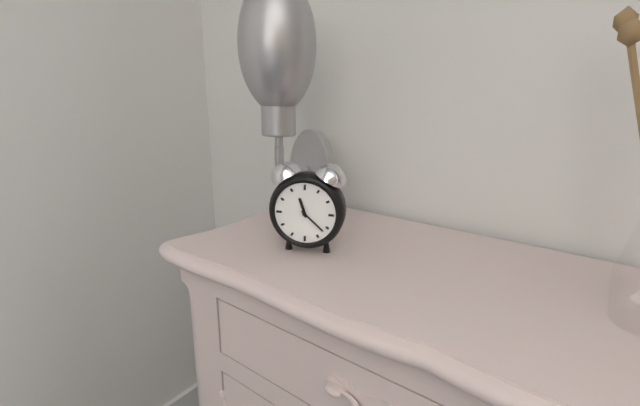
11:22
